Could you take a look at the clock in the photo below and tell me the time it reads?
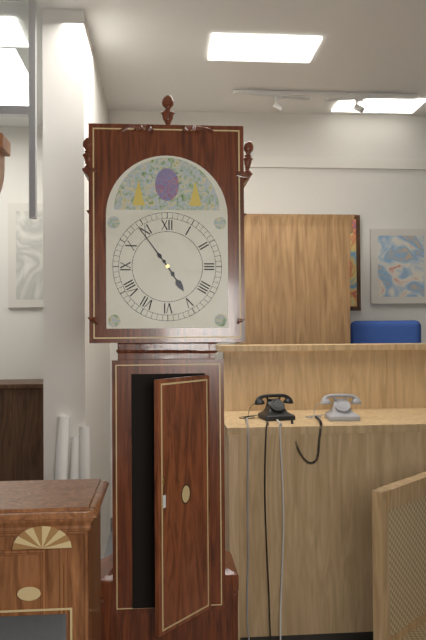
4:54
